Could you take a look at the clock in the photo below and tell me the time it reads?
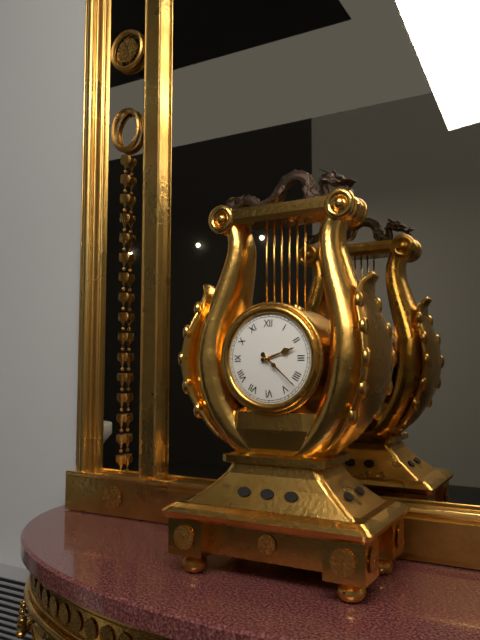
2:22
